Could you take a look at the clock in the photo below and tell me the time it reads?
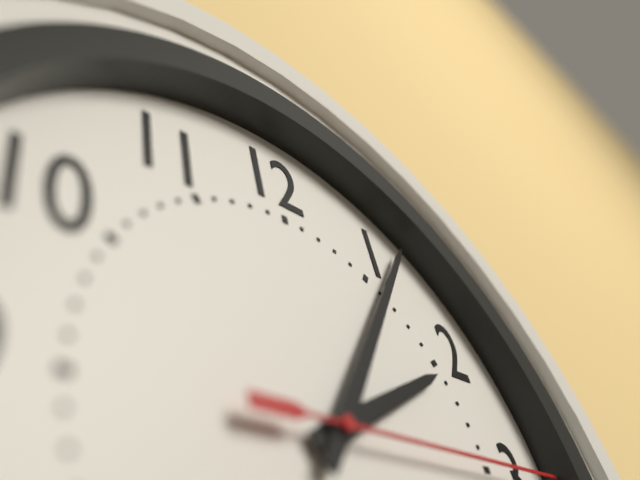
2:06:15
